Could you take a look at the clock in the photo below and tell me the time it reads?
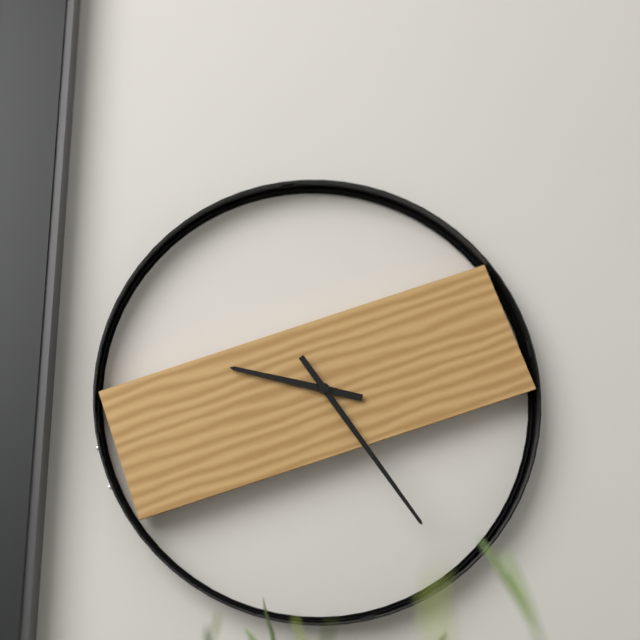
9:24
